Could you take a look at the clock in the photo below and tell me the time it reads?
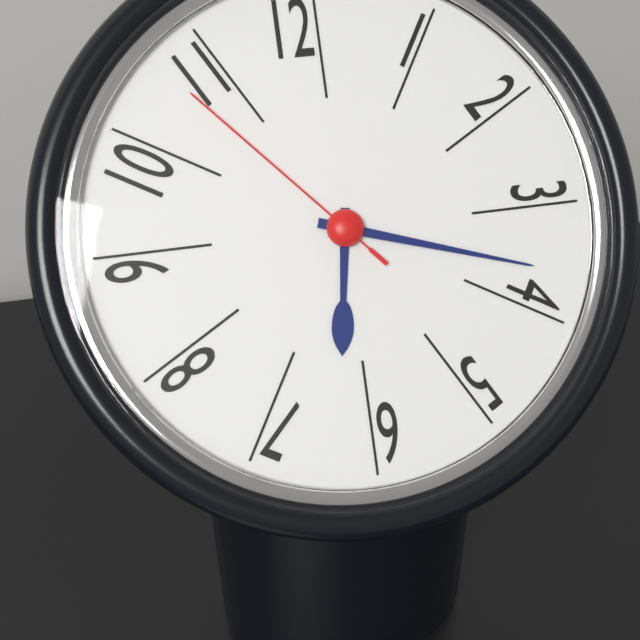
6:18:53
